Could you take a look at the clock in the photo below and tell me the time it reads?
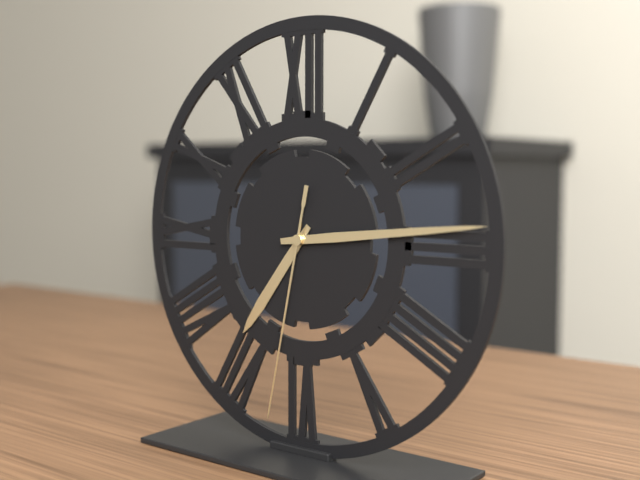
7:14:32
